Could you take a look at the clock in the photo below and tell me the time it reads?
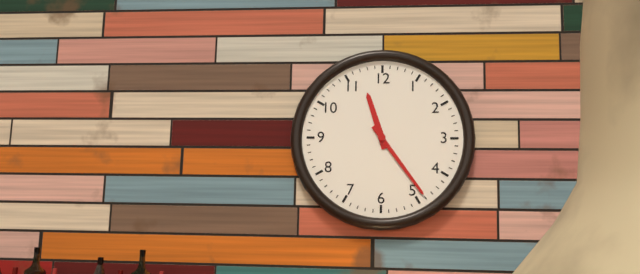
11:24
